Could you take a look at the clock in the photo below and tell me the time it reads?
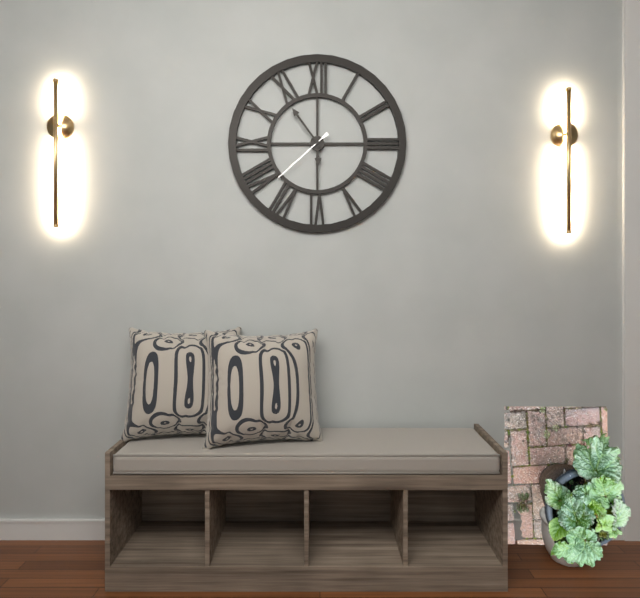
5:54:38
